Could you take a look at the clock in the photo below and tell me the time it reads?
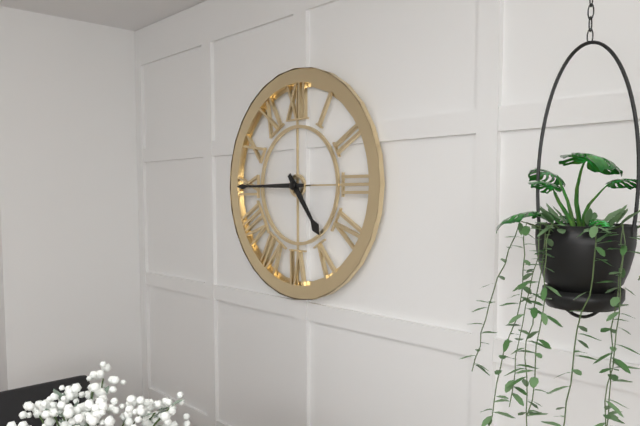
4:45
